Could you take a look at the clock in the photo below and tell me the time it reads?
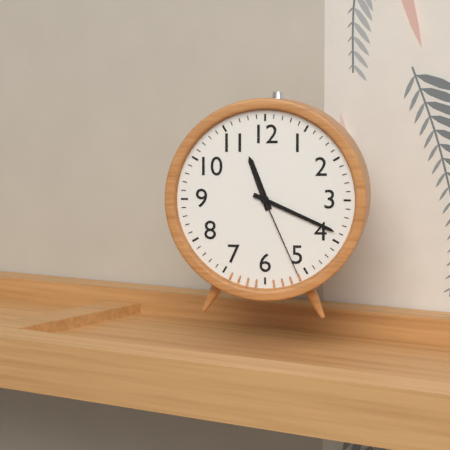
11:19:26
